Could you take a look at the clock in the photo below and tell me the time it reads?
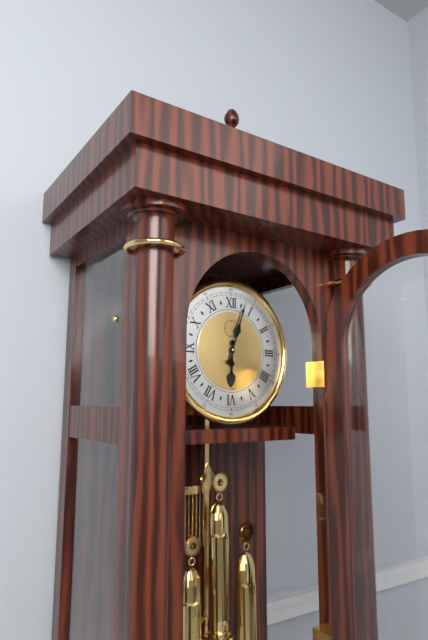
6:03
